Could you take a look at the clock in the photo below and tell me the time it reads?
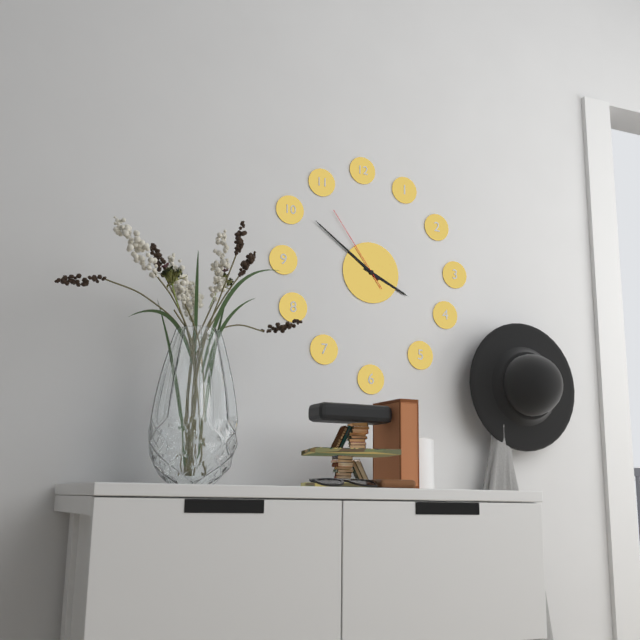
3:51:54
